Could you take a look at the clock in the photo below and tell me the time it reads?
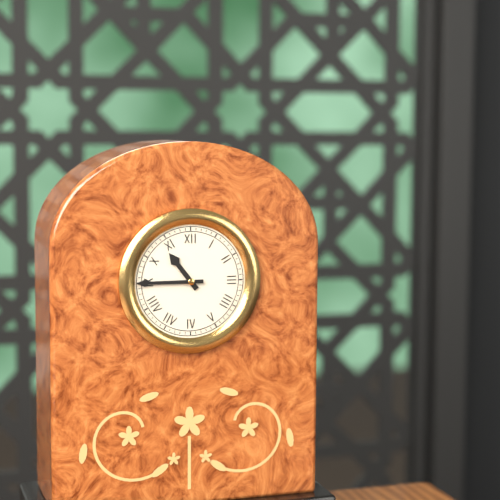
10:45
